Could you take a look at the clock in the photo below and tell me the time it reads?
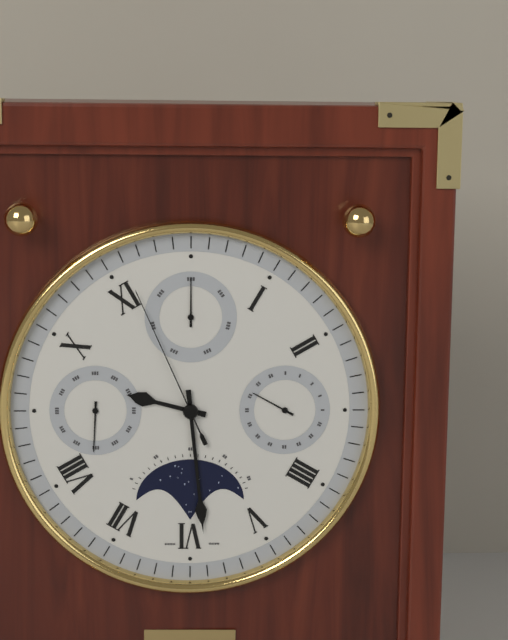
9:29:56
